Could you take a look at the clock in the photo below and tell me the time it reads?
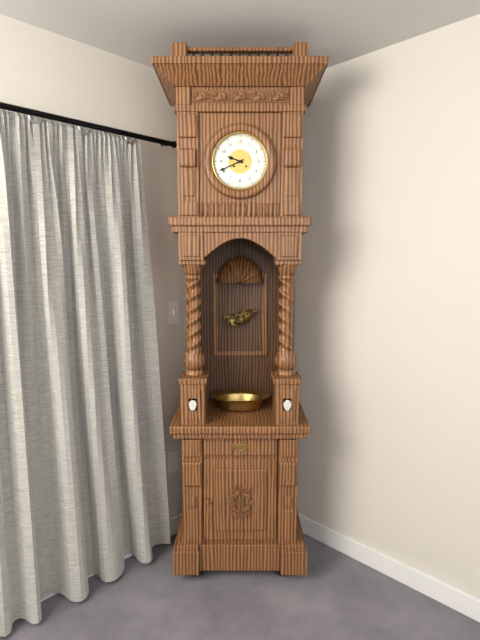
9:41
